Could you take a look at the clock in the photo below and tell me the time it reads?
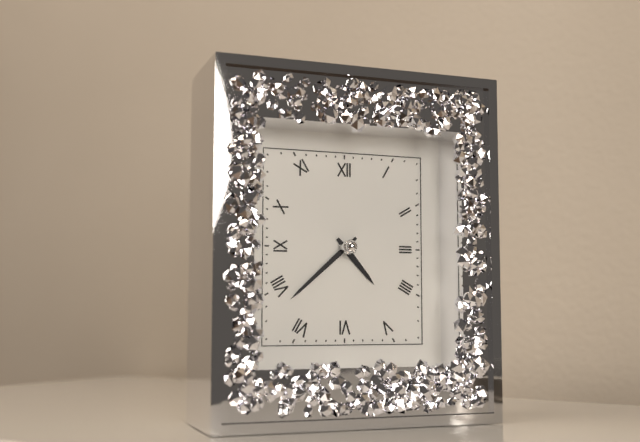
4:38
